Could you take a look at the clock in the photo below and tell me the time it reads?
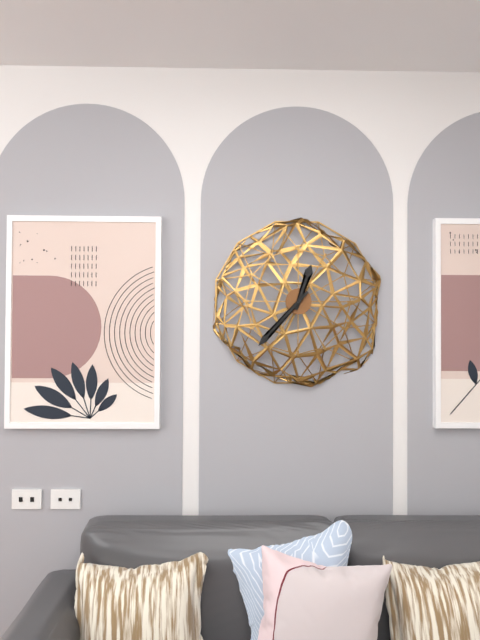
12:37
